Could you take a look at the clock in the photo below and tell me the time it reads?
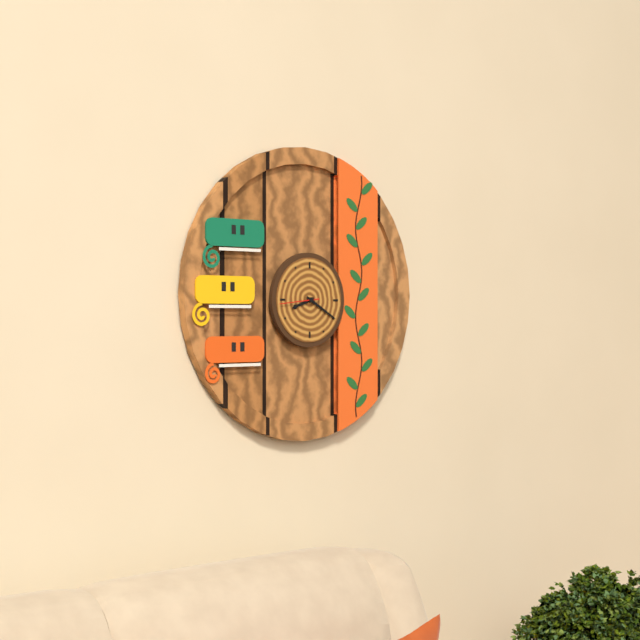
8:20
